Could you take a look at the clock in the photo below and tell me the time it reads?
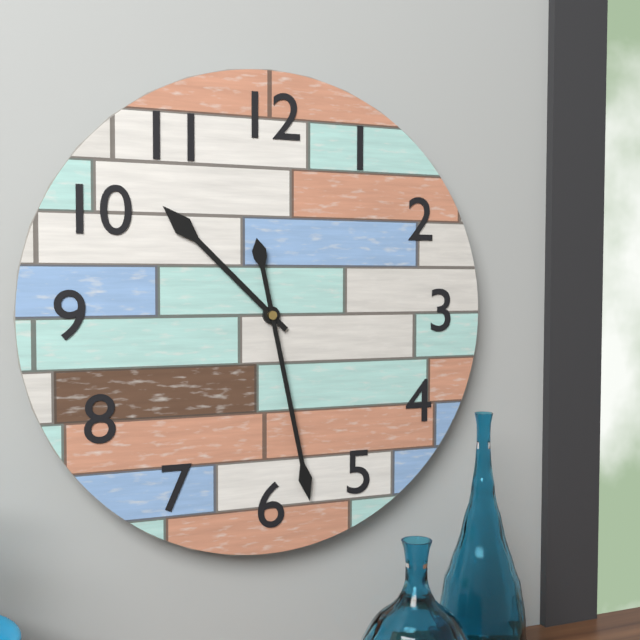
10:28
